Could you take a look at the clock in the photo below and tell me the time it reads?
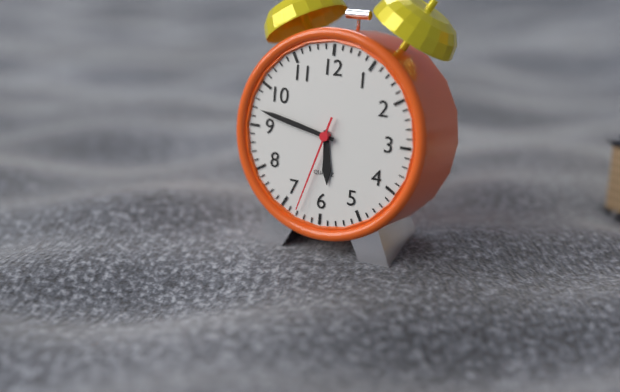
5:47:33
